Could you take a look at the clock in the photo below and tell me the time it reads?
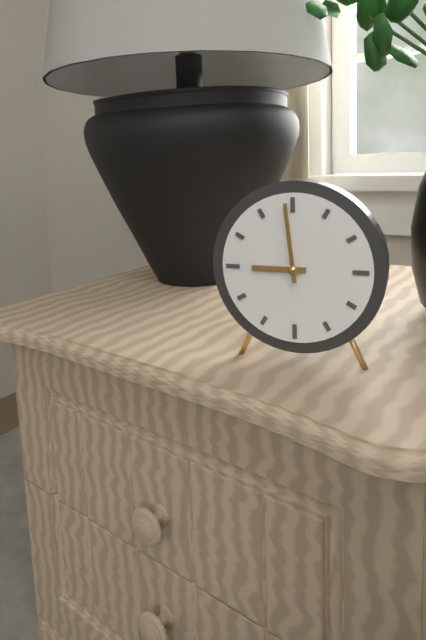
8:59
